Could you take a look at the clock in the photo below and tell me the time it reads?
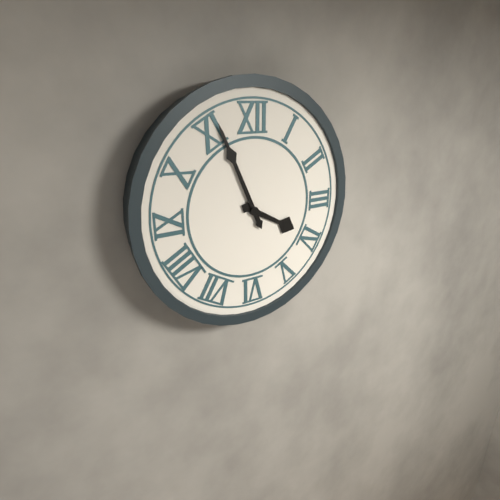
3:56
